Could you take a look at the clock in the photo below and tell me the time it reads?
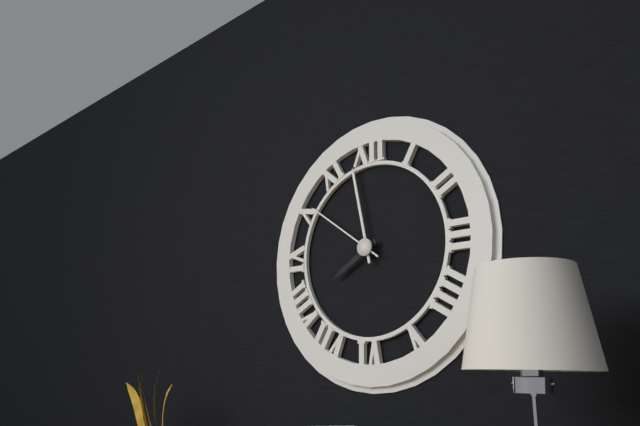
7:58:51
